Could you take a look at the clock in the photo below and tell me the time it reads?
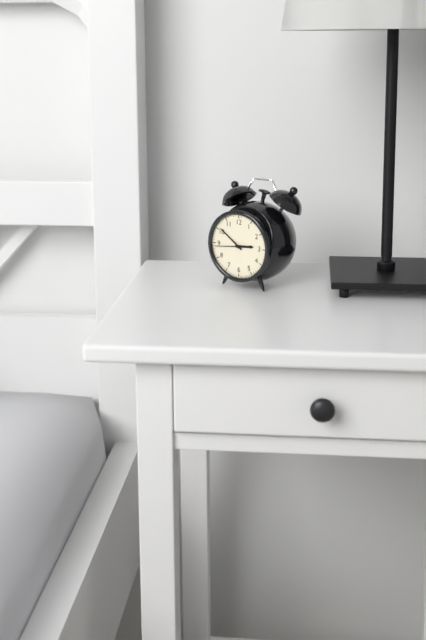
2:51
